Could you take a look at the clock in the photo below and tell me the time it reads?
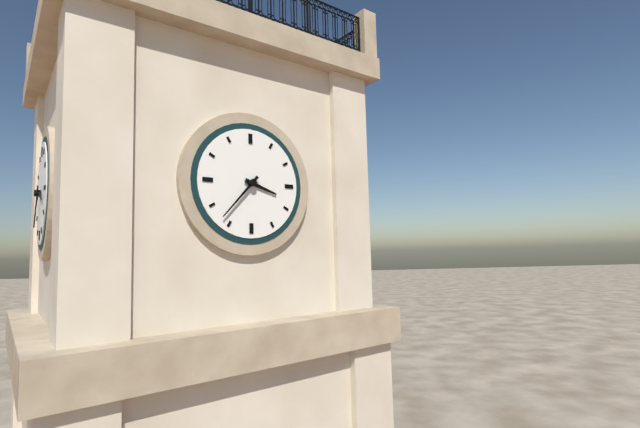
3:37
